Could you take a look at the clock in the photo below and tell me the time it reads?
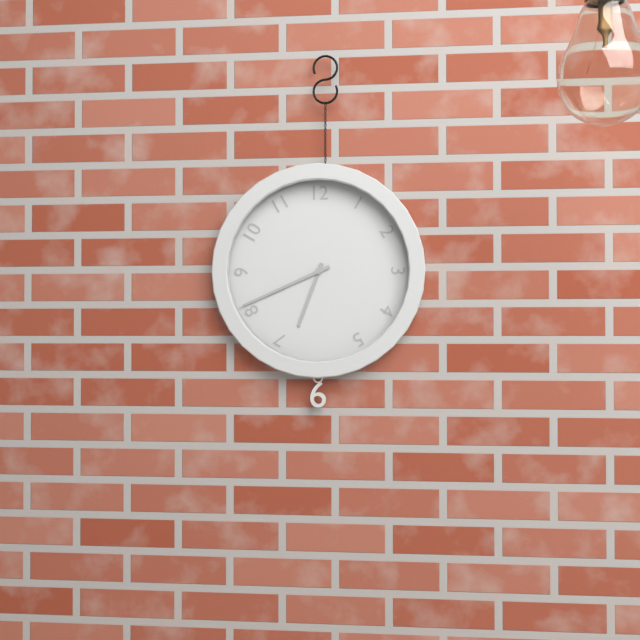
6:41
